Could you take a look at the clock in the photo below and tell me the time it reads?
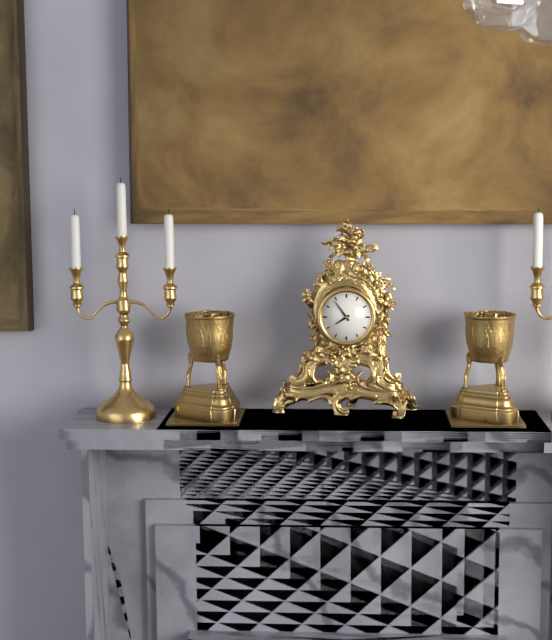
7:54
